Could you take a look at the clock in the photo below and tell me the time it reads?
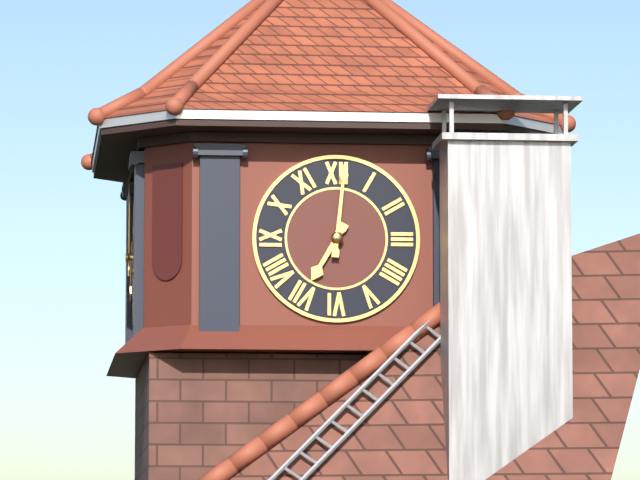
7:01
